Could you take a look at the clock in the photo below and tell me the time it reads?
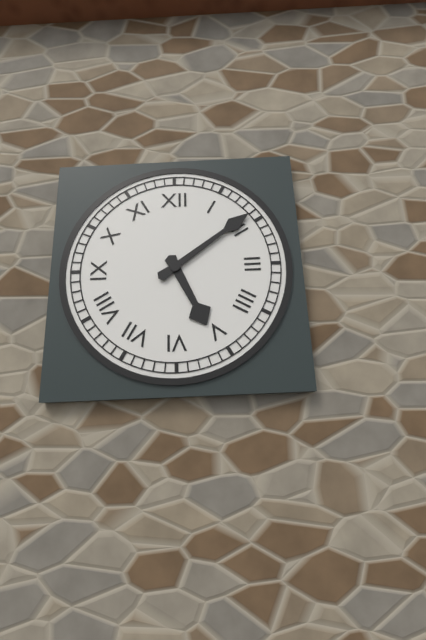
5:09
